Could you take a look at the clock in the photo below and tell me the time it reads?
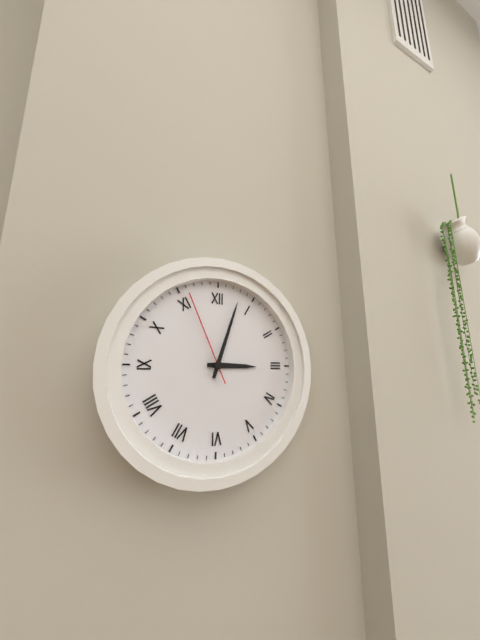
3:03:56
